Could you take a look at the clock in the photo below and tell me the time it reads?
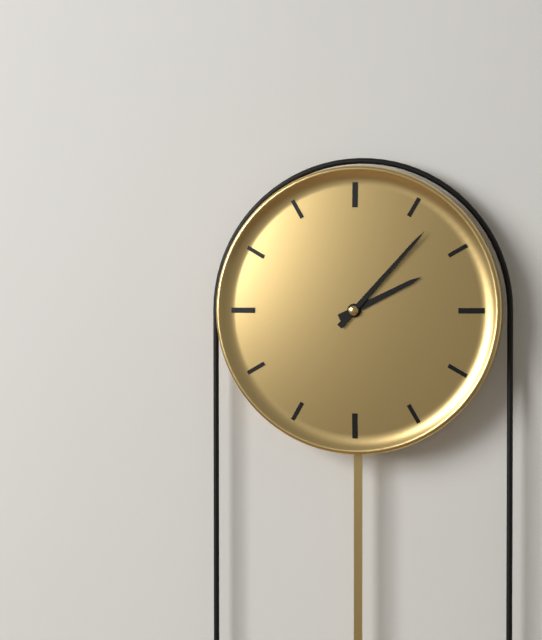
2:07
